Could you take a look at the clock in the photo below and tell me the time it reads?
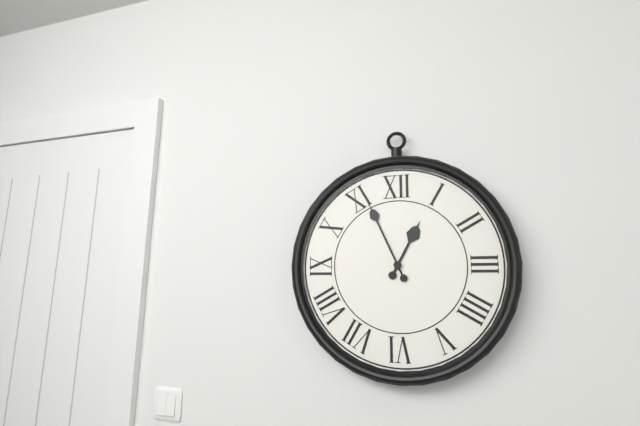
12:56
